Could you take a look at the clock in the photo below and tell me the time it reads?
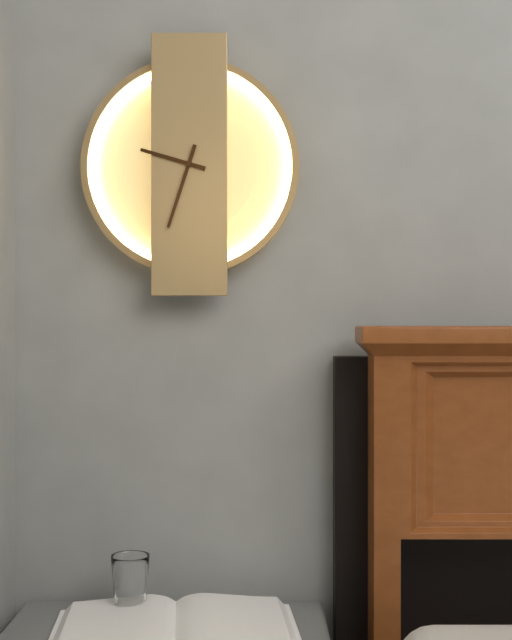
9:33
